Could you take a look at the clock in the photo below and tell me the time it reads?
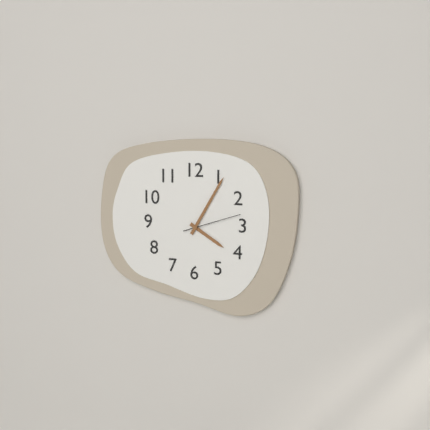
4:05:12
